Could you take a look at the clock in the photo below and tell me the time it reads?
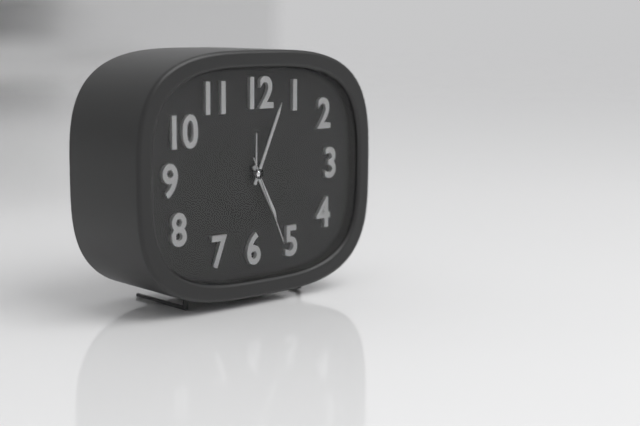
5:04:26
